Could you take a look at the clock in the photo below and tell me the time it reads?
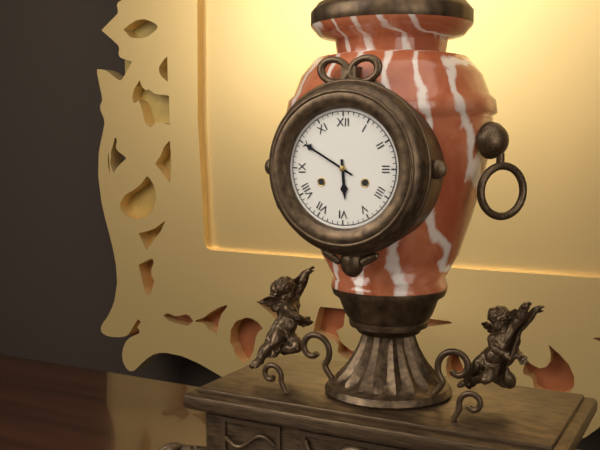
5:50
